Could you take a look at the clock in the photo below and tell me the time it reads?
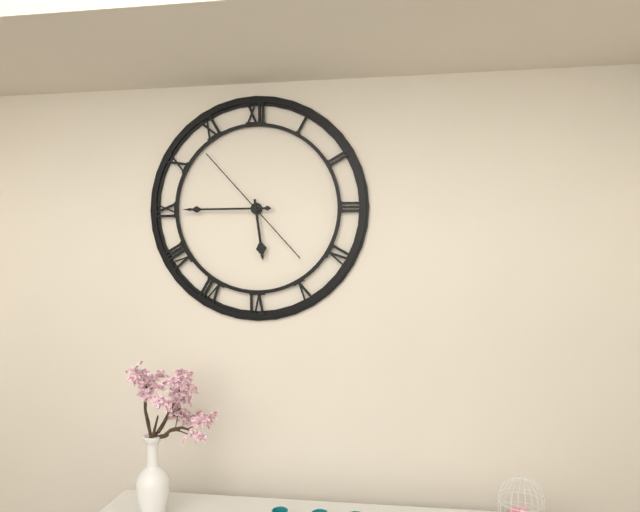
5:45:53
